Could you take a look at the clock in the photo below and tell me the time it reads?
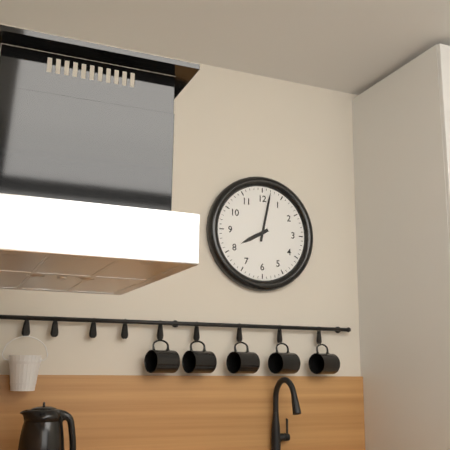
8:02
